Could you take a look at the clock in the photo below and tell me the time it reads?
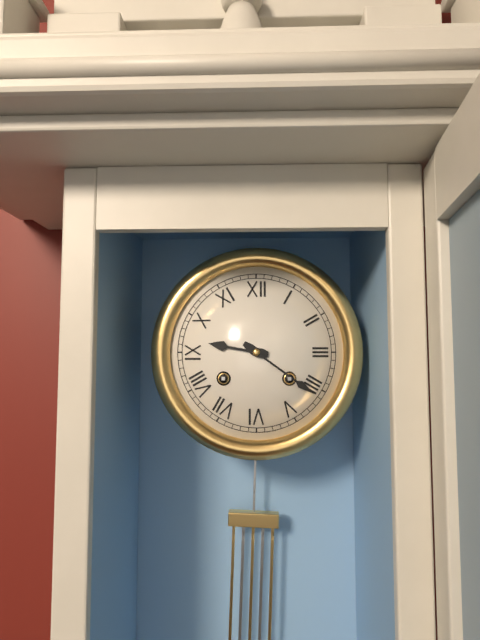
9:21
